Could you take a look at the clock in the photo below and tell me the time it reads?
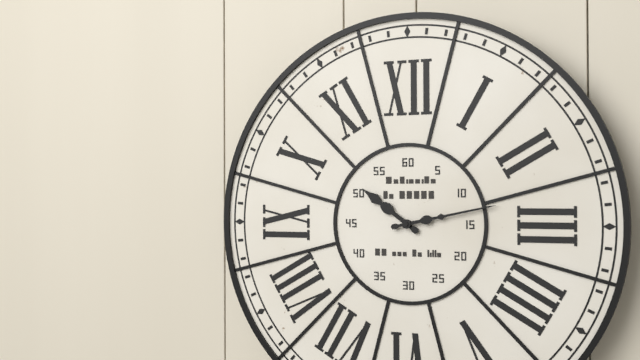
10:13
